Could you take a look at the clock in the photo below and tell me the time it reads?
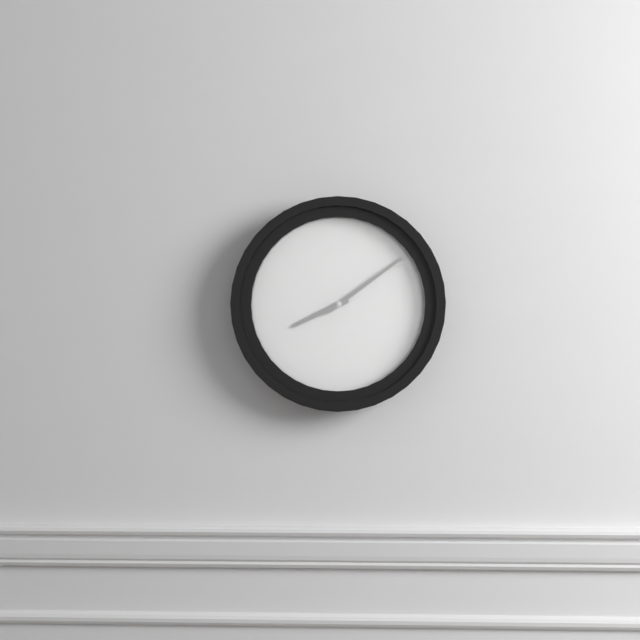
8:09
